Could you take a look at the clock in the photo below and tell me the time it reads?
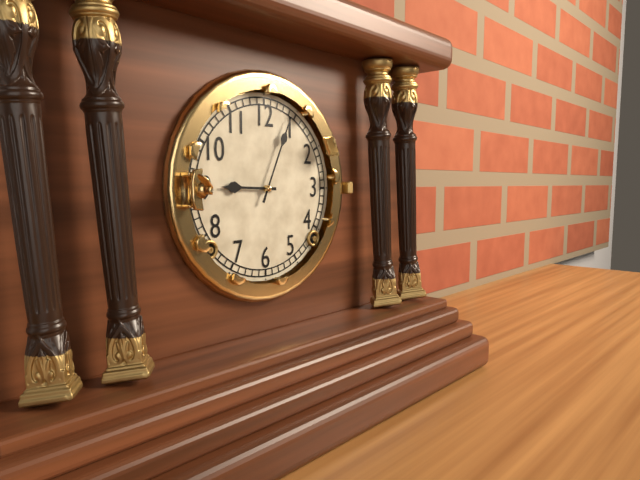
9:04
